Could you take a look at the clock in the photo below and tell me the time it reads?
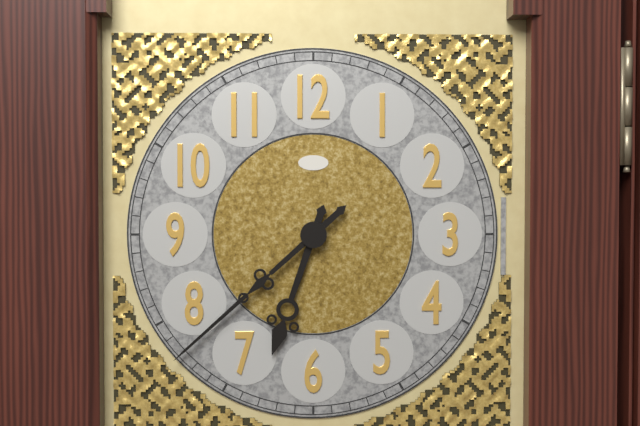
6:38
